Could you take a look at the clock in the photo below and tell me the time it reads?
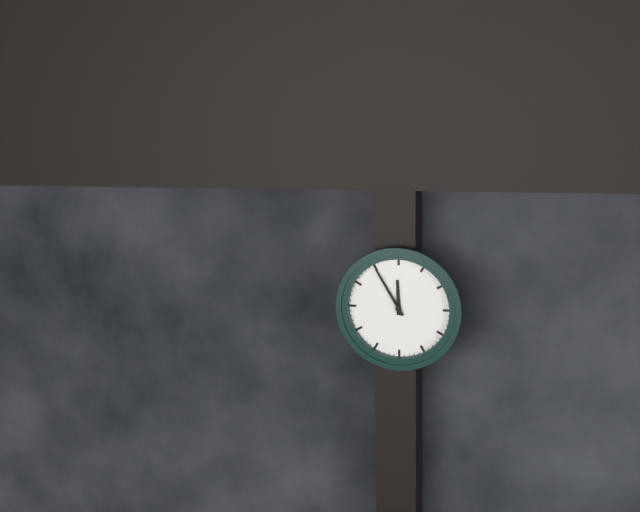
11:55
